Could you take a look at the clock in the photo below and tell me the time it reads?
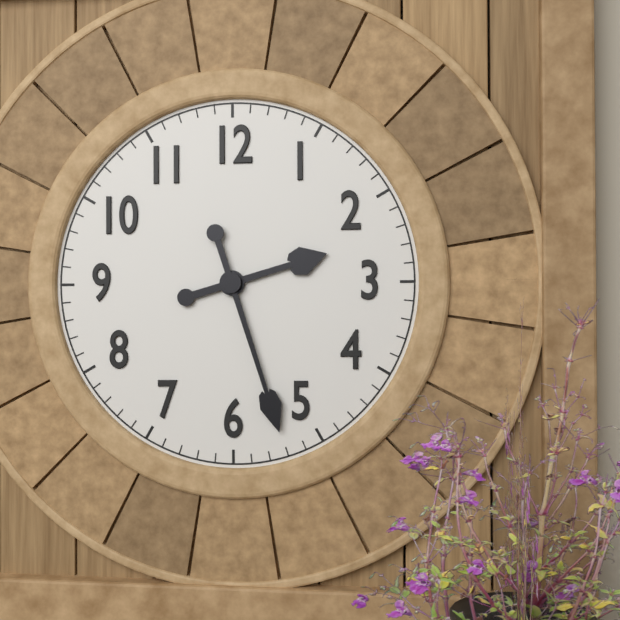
2:27
